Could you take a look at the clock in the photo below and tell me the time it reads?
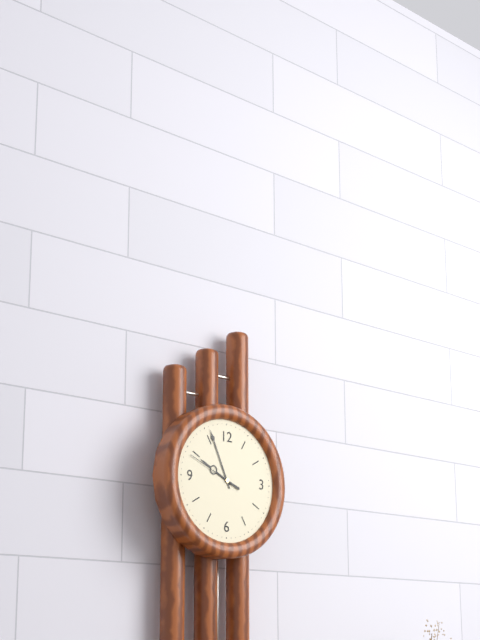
9:56:49
